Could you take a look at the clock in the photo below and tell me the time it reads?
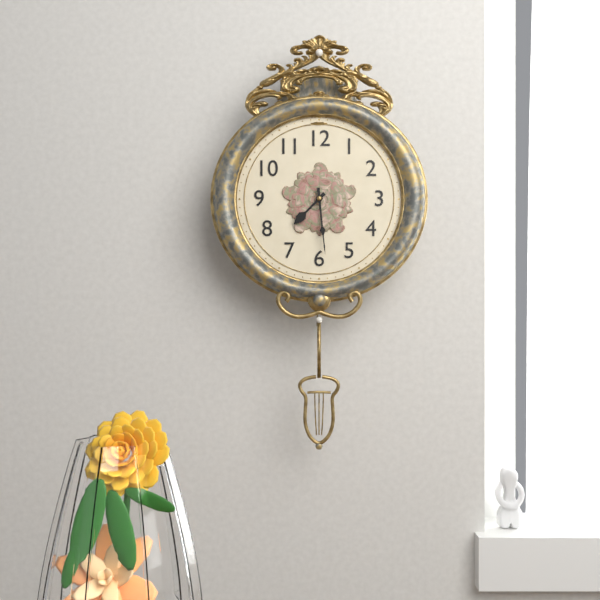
7:29
